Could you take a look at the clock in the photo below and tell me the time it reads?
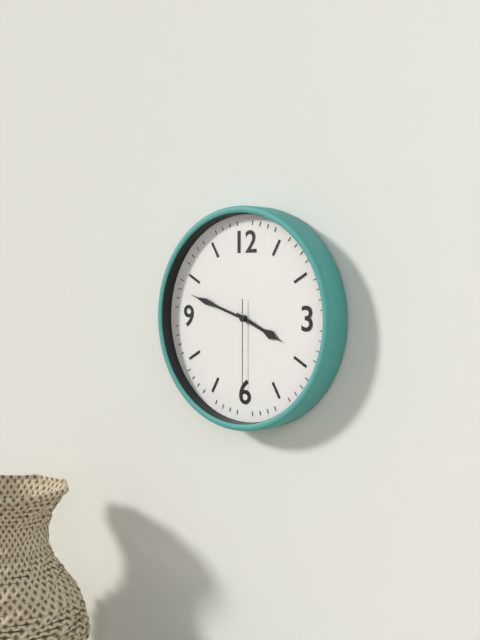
3:48:30
